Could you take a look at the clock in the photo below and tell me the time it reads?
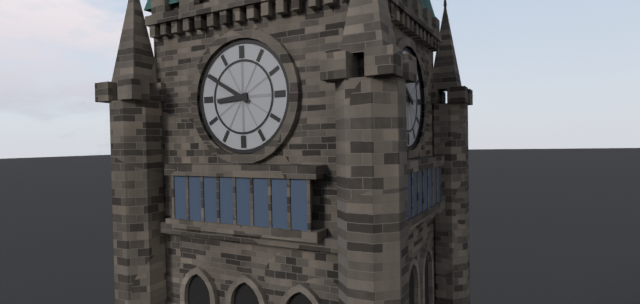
8:50
